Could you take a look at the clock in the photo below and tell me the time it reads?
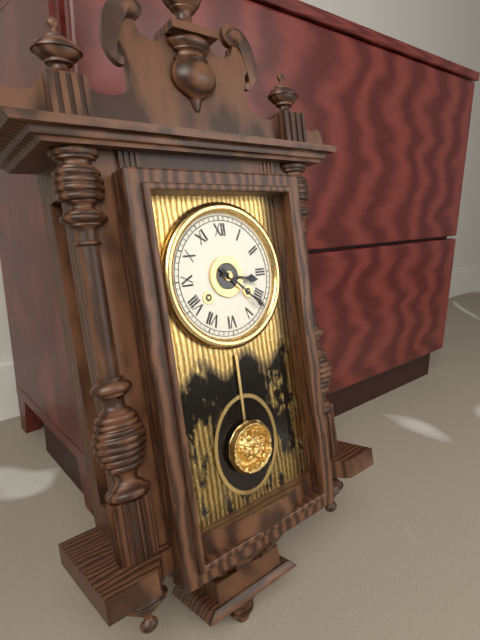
3:22
